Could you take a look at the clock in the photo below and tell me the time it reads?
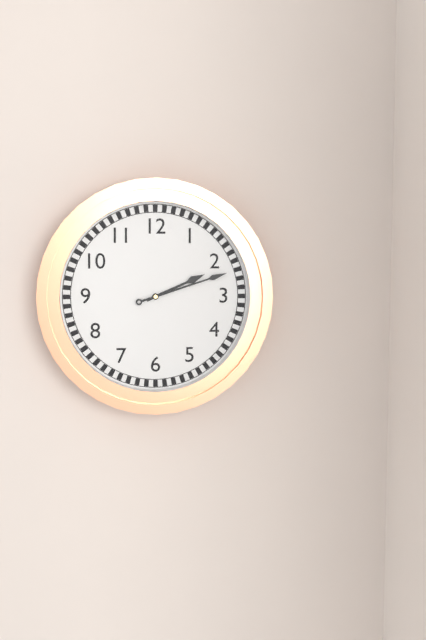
2:12
